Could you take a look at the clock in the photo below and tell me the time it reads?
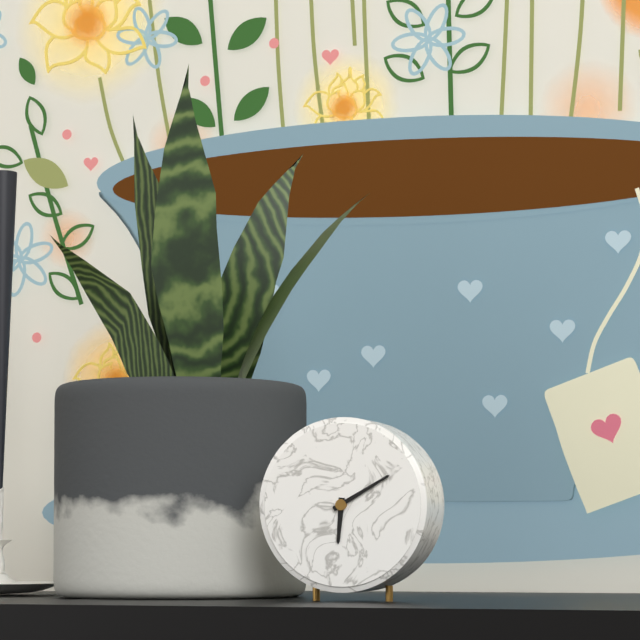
6:10
